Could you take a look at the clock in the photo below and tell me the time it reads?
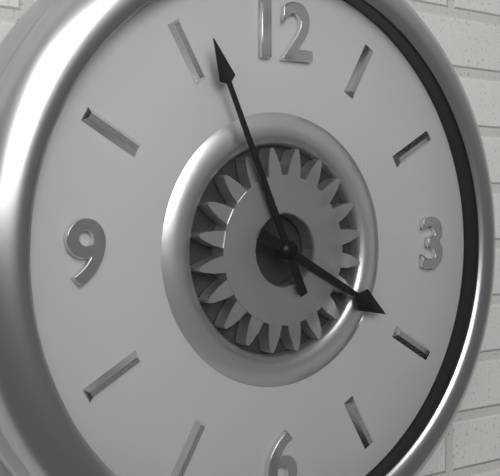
3:56
